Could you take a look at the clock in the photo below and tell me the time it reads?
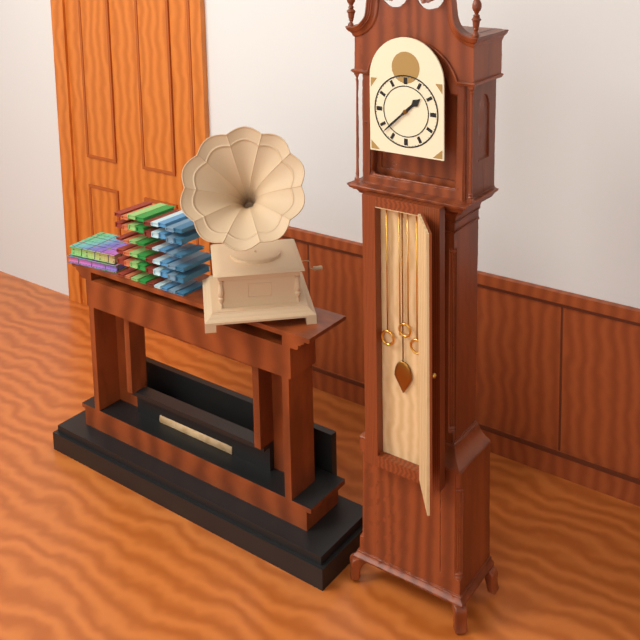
1:38
